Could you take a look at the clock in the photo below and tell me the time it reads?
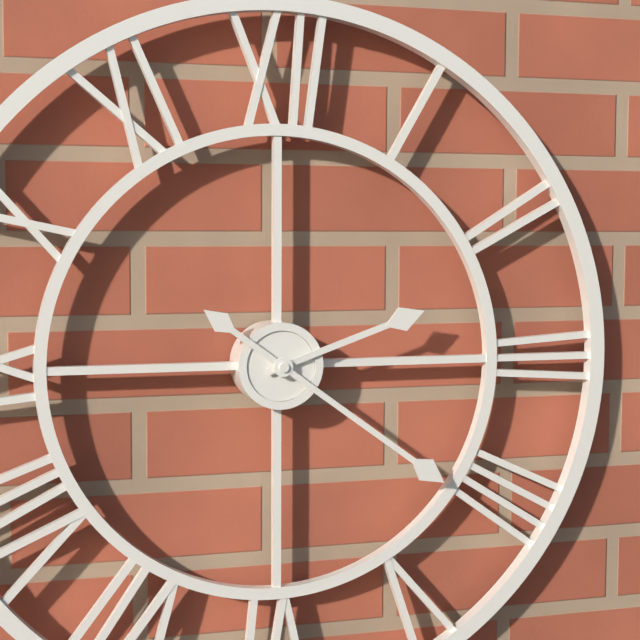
2:21
